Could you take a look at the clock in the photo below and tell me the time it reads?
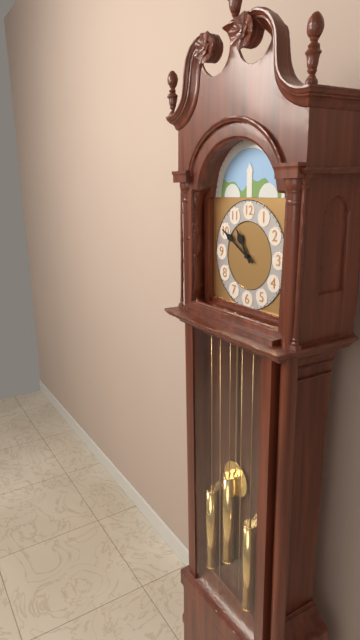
10:50
